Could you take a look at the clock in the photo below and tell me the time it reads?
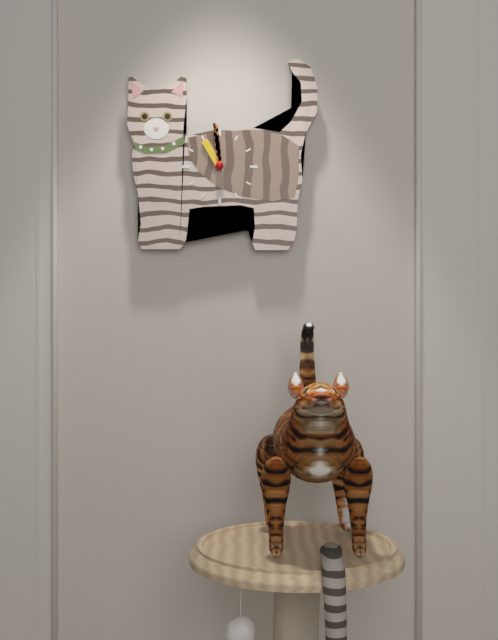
10:59
